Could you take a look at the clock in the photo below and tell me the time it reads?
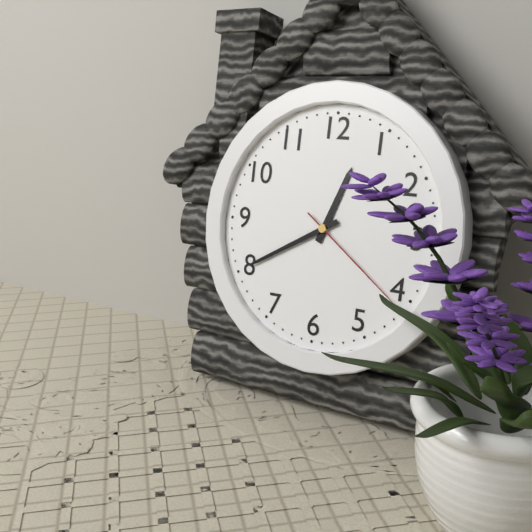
12:40:21
